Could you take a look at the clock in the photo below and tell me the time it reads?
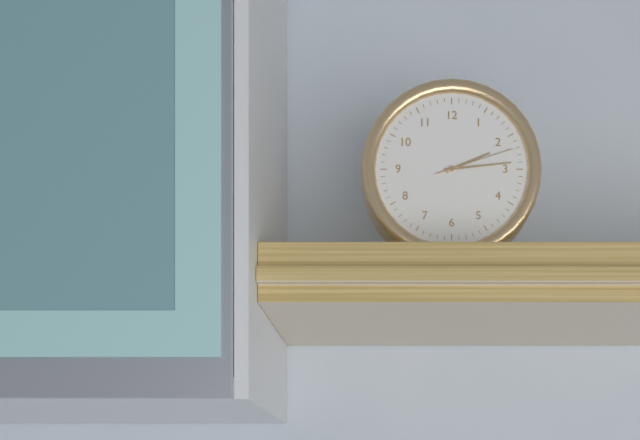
2:14:12
